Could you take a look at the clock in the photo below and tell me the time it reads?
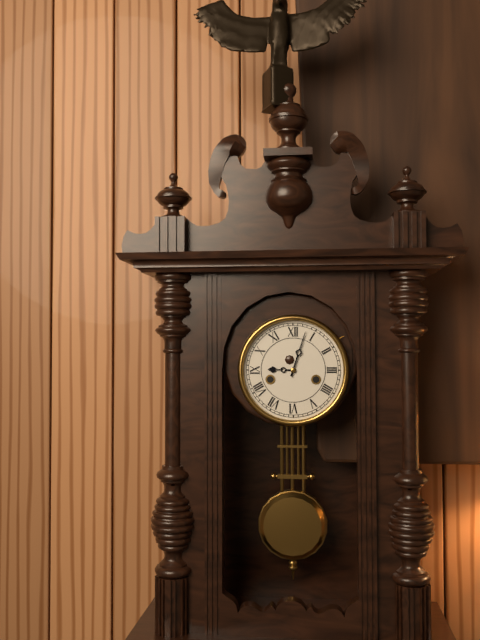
9:03
